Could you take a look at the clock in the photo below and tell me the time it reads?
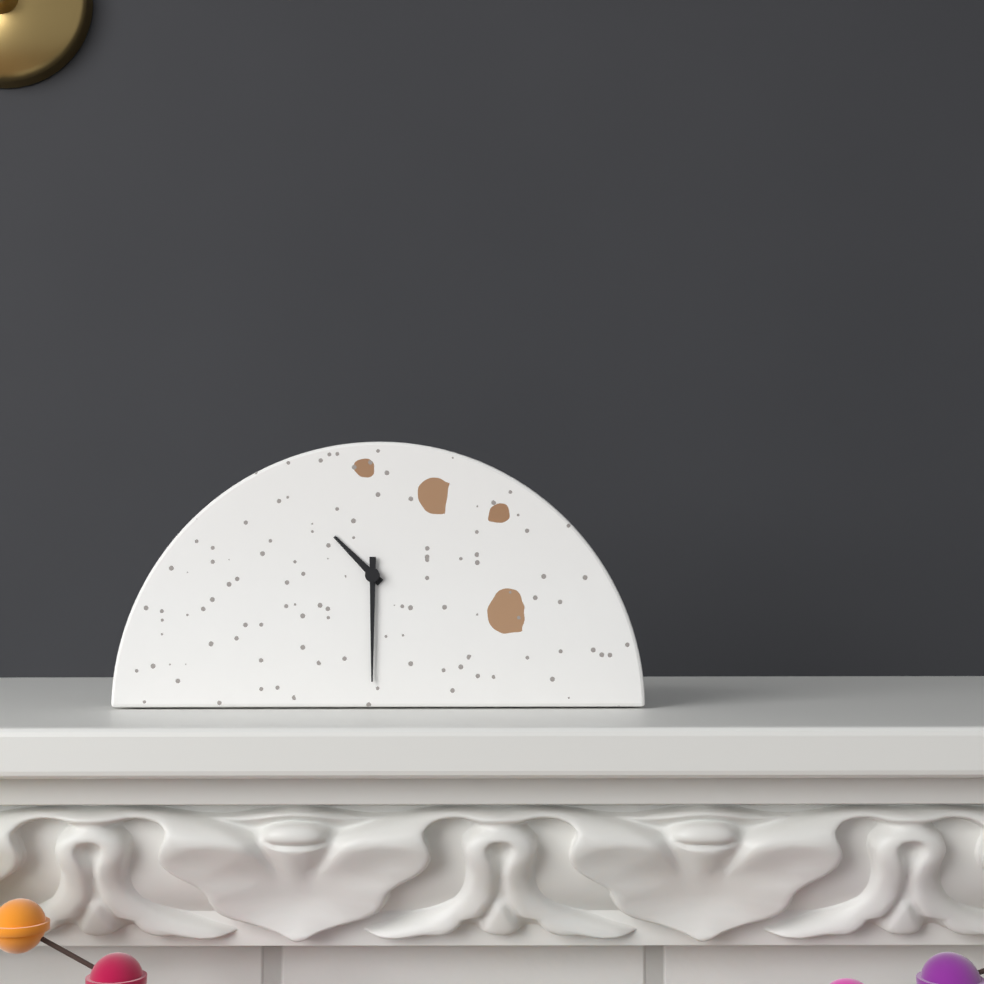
10:30
